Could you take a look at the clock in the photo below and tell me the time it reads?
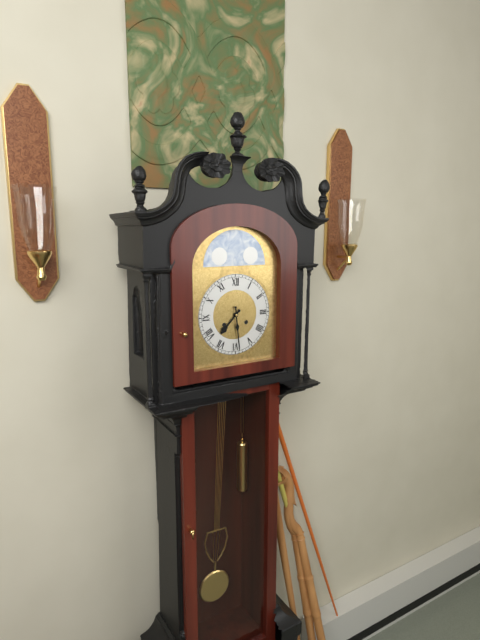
7:29
